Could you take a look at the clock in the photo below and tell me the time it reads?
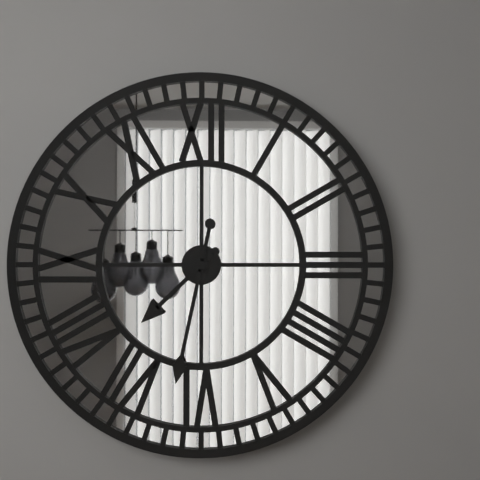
7:32
